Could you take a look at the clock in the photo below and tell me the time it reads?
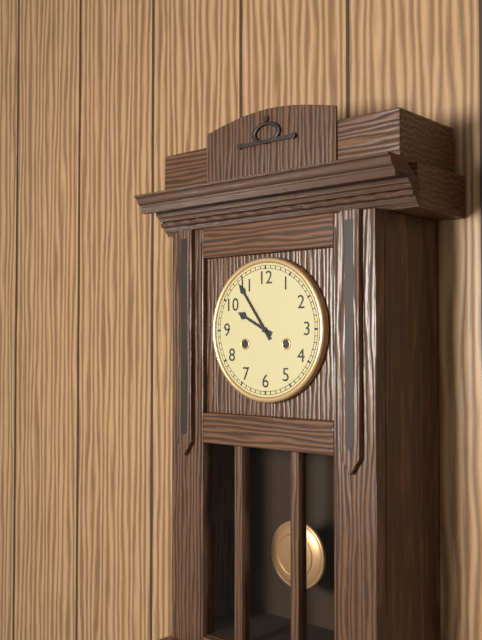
9:54
